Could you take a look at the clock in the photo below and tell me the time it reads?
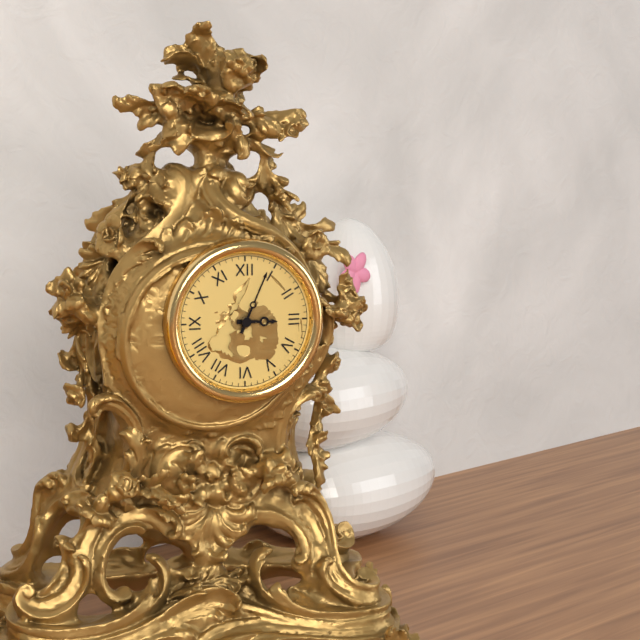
3:04
